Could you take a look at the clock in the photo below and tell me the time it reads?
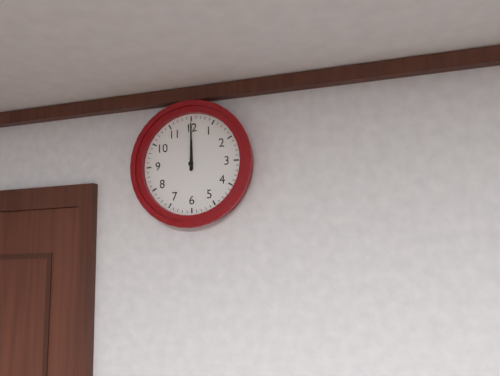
12:00
